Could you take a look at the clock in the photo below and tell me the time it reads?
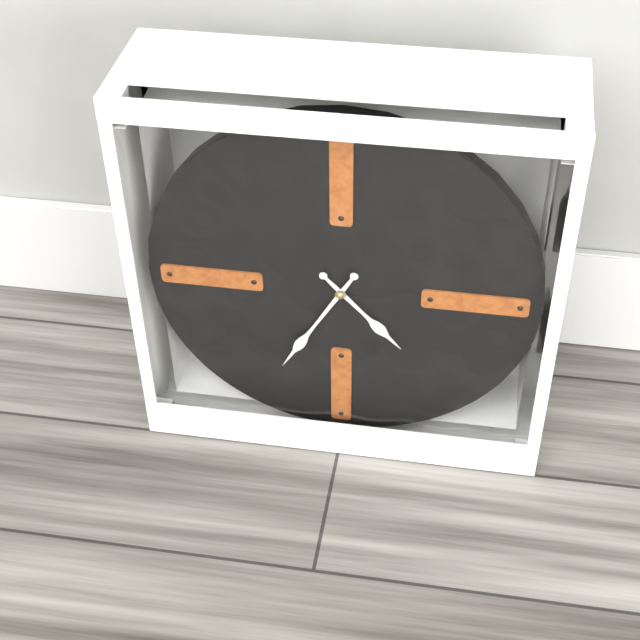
4:35
